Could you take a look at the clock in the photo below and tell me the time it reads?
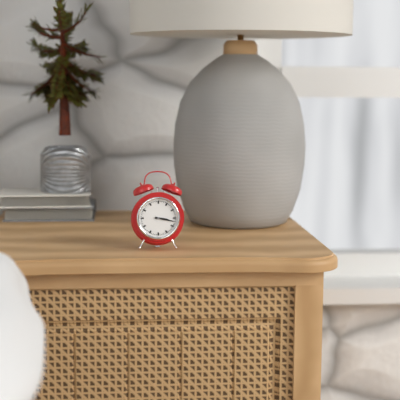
3:17
